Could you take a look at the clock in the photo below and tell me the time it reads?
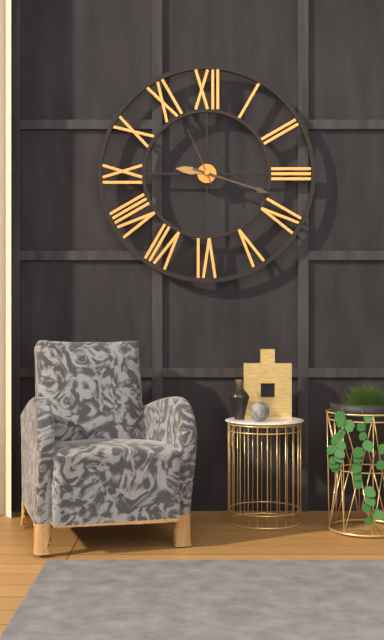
9:18:56
